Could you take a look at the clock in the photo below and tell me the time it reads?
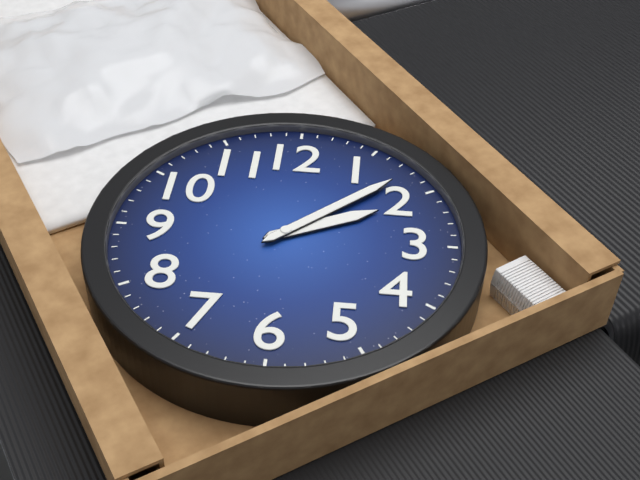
2:08
